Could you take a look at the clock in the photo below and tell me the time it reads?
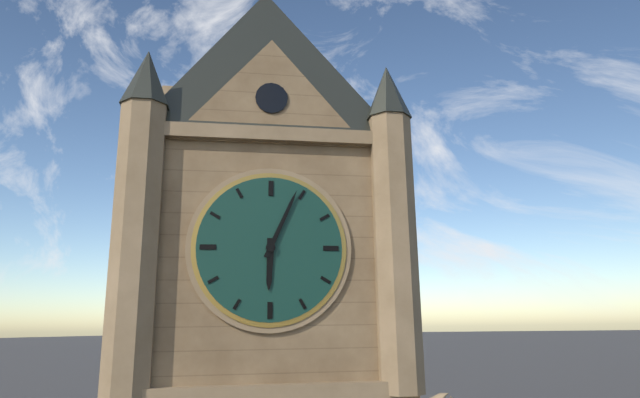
6:04
